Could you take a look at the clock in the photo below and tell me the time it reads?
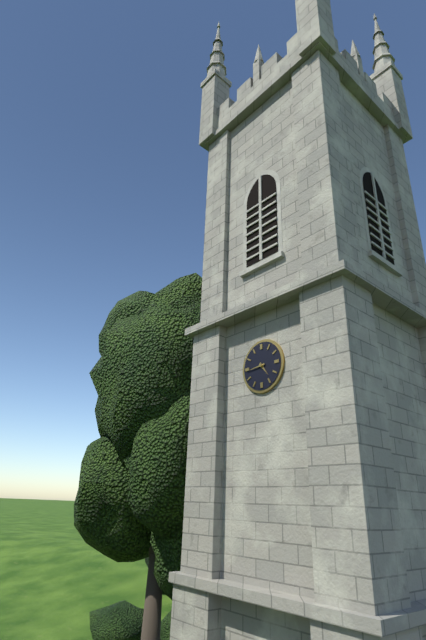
4:44
